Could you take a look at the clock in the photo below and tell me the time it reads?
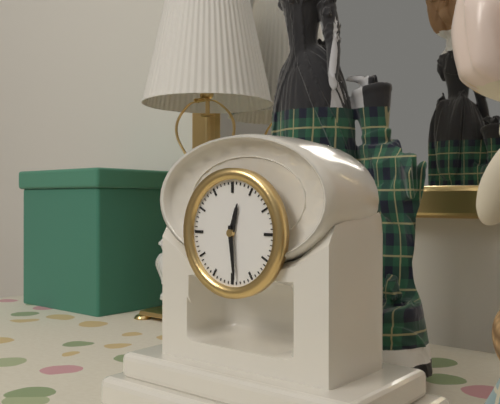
12:29
